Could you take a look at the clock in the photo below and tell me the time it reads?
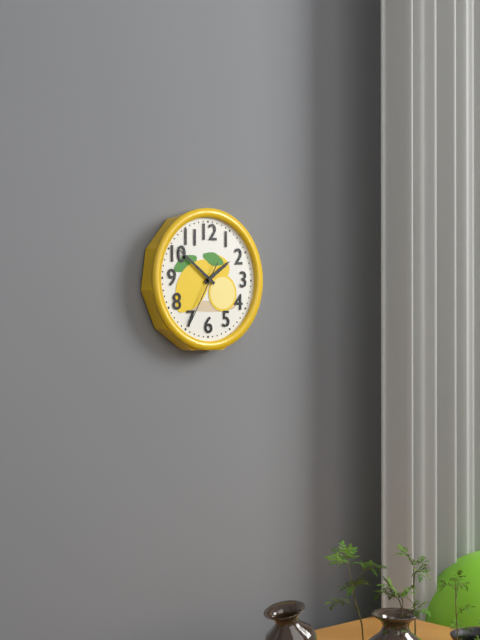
1:51:35
